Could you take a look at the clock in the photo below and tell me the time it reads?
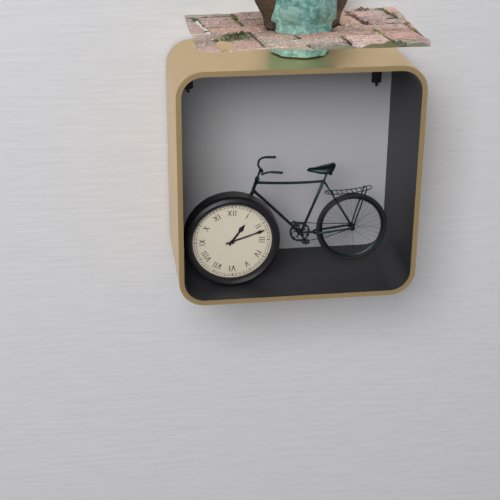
1:12
